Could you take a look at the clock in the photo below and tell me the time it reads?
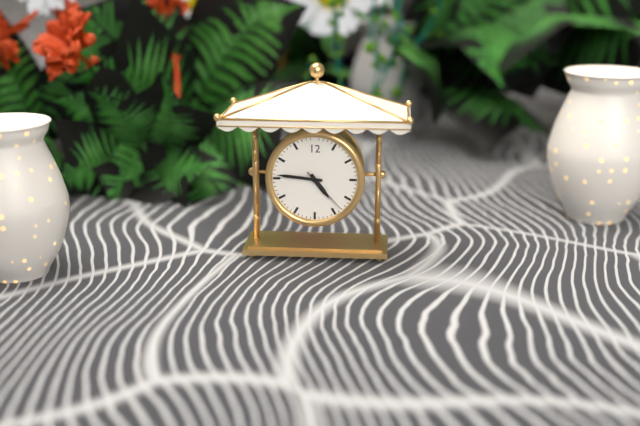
4:46
